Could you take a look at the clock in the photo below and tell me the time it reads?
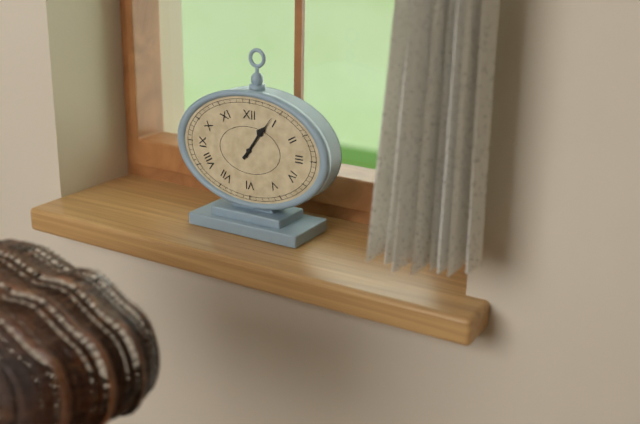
1:06
